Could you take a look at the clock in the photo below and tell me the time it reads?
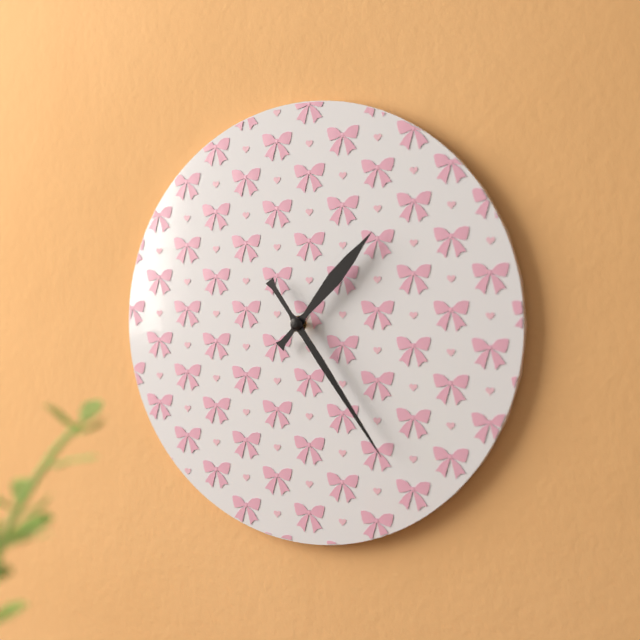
1:24
